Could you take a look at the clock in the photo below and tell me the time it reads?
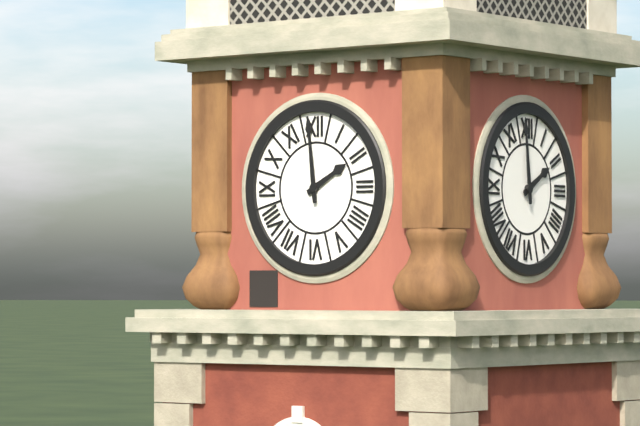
1:59
